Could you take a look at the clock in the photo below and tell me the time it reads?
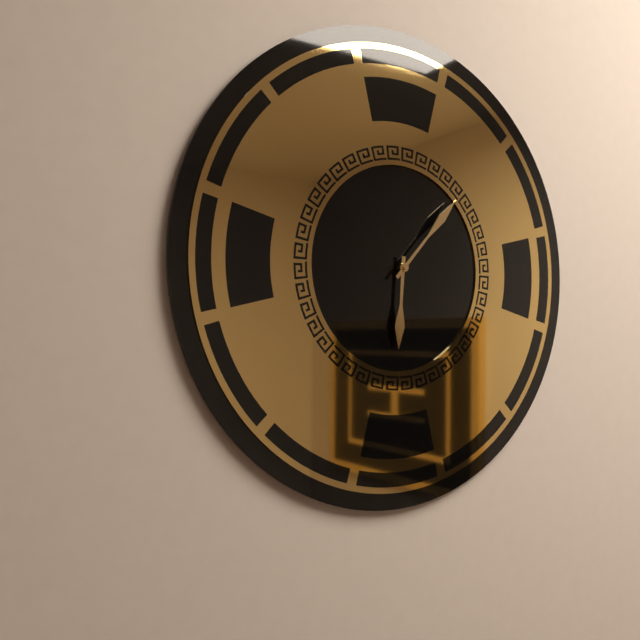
6:07
